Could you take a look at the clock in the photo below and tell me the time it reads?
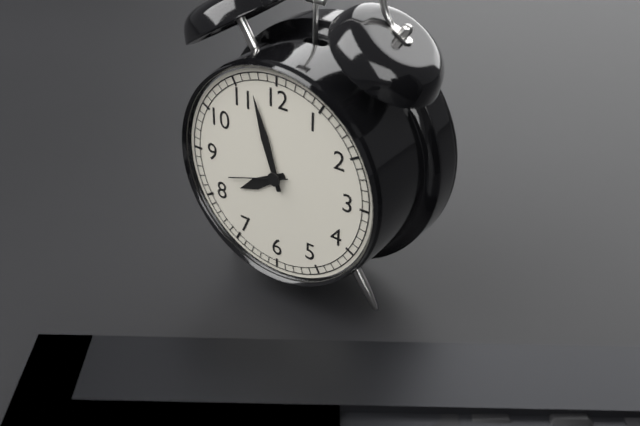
7:57:42
